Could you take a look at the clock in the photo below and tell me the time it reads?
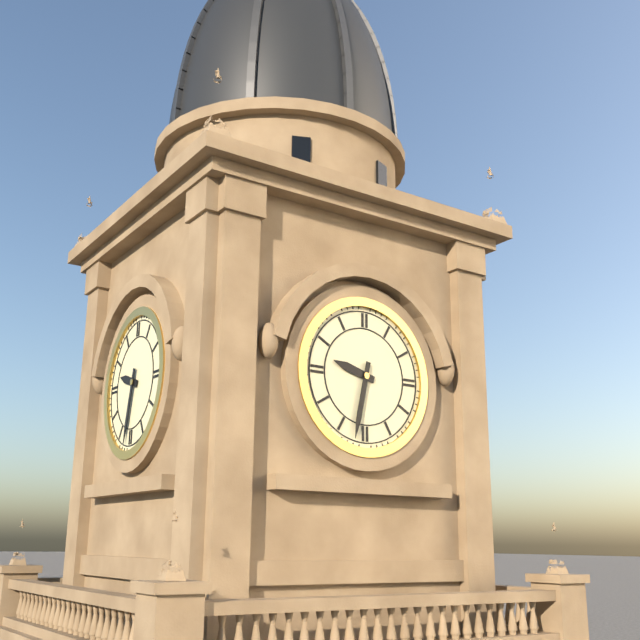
9:32
